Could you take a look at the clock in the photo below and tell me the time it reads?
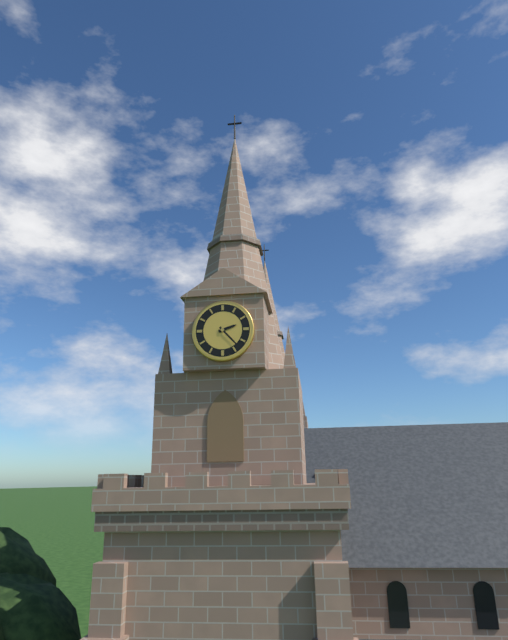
2:23
